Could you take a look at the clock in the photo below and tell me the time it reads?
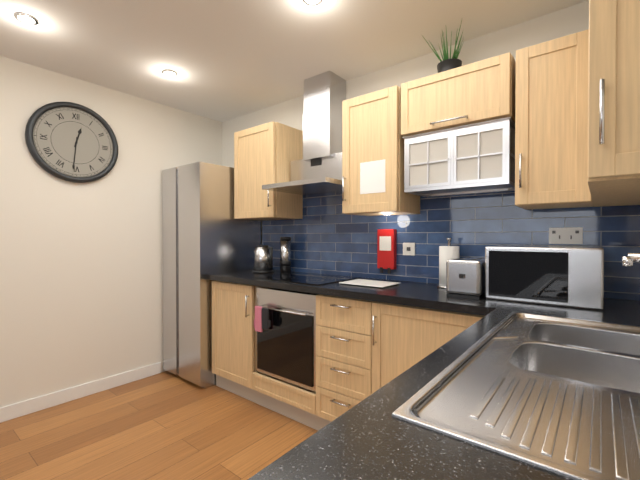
12:31
